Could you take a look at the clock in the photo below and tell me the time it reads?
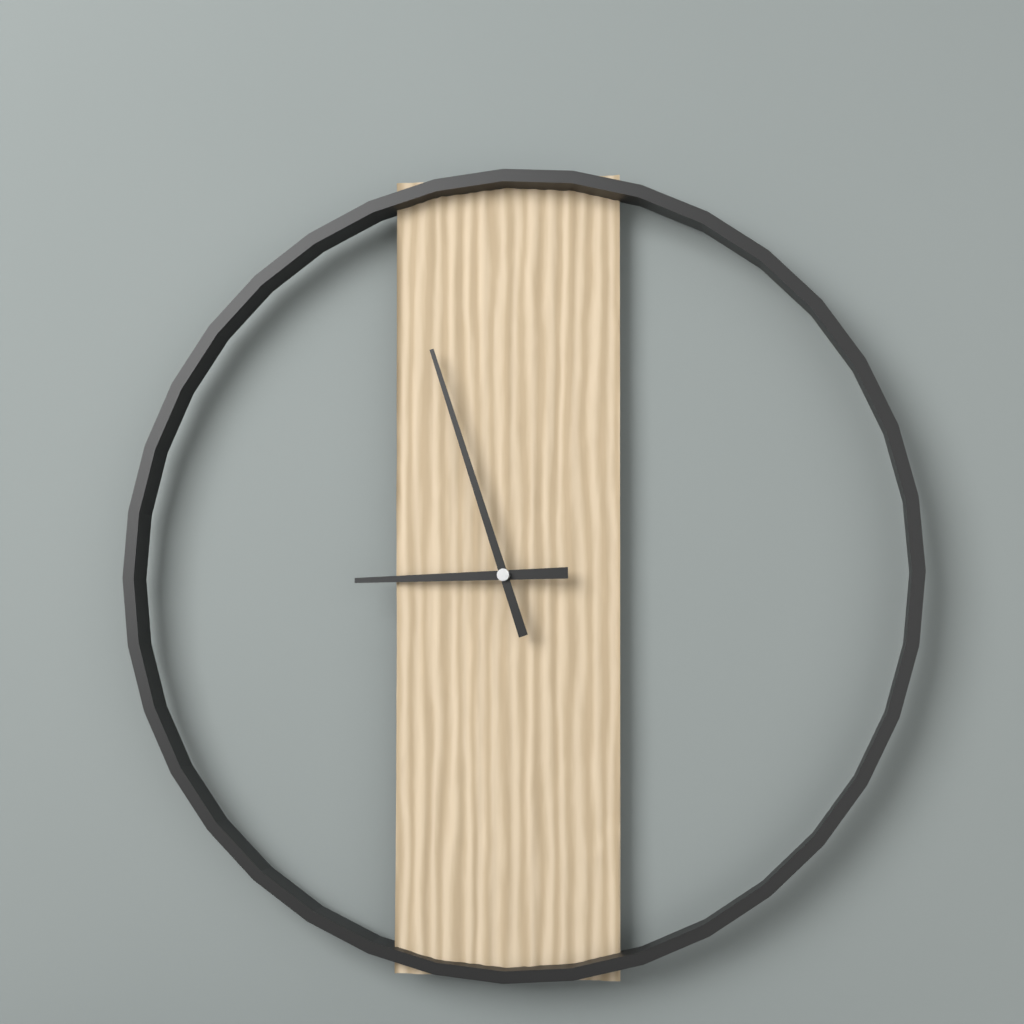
8:57
